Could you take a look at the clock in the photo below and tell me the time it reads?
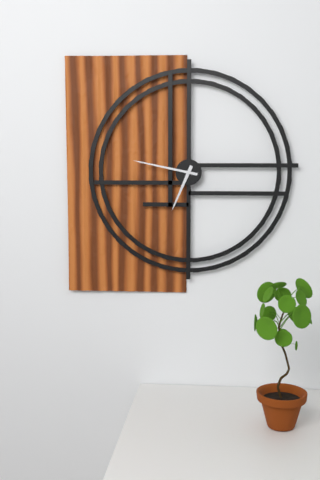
6:47
